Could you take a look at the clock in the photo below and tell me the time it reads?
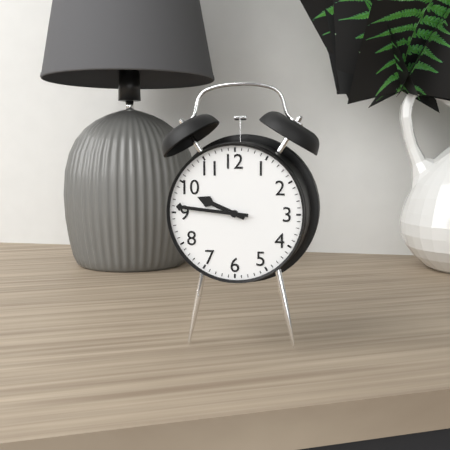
9:46
